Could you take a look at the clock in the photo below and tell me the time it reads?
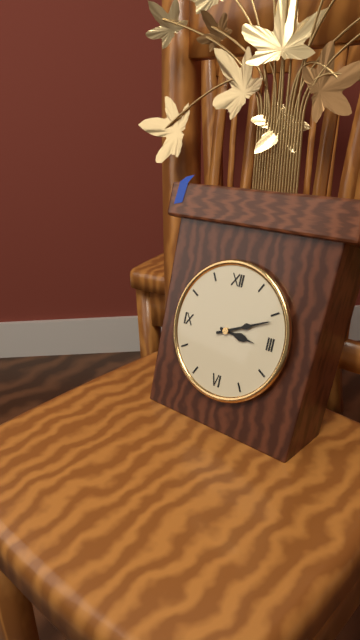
3:11
